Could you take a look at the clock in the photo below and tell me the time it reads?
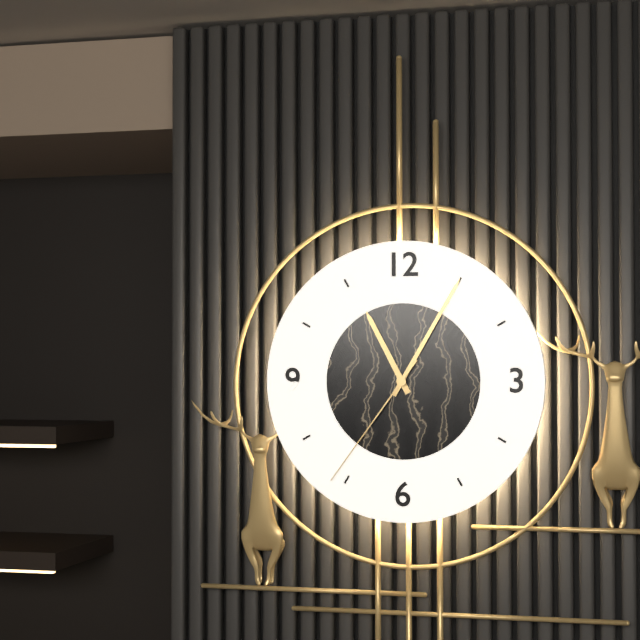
11:05:36
